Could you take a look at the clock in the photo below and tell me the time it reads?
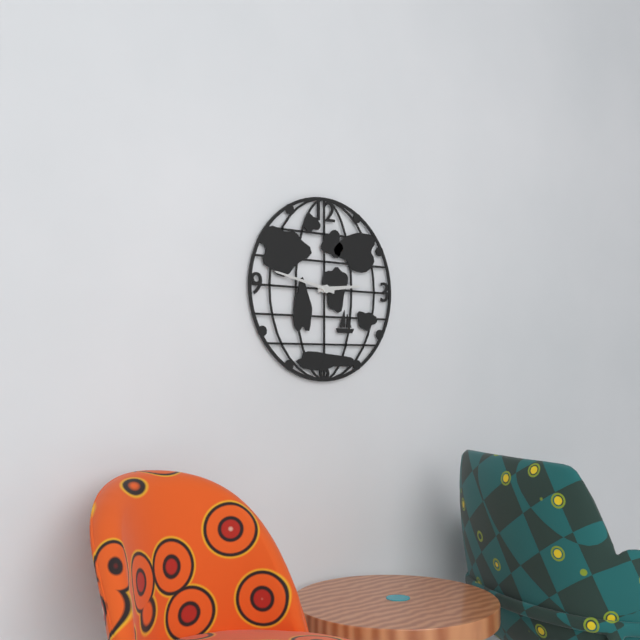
2:47
